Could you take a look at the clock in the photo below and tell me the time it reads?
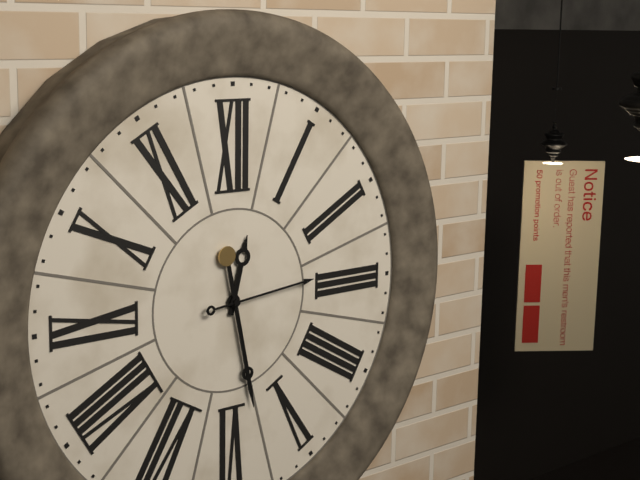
12:28:14
